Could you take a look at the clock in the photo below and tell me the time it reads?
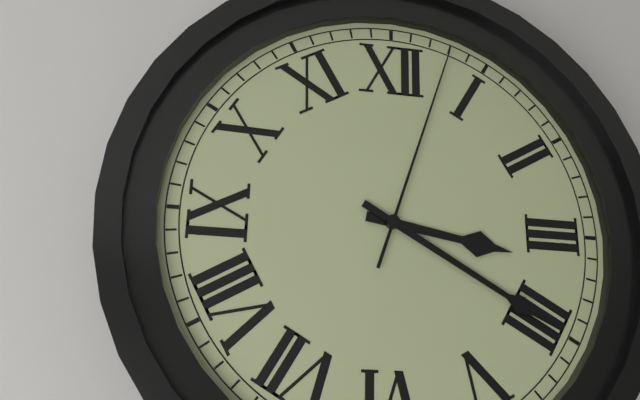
3:20:03
